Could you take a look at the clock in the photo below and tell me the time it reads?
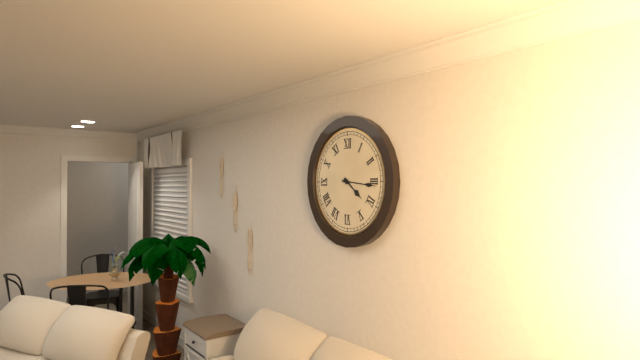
4:16
